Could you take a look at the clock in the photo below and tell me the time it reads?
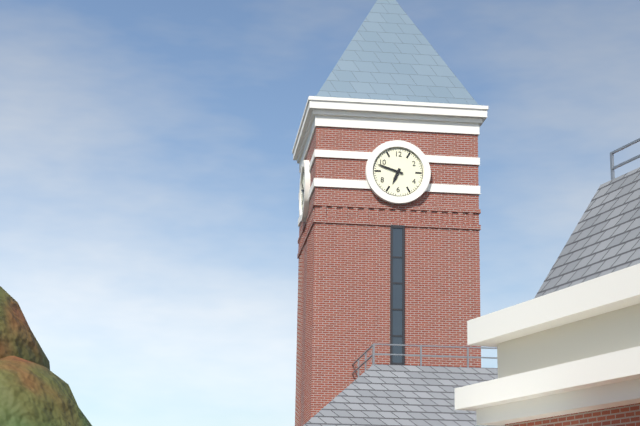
6:48
